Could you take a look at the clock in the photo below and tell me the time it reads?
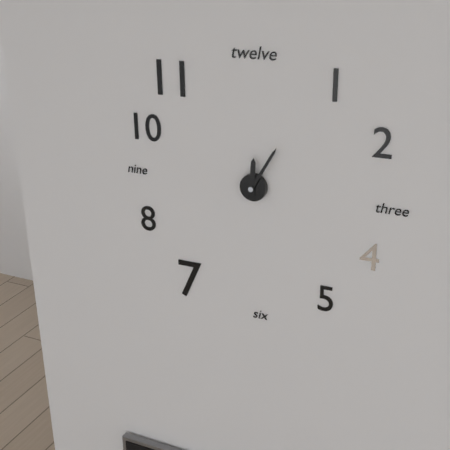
12:05
